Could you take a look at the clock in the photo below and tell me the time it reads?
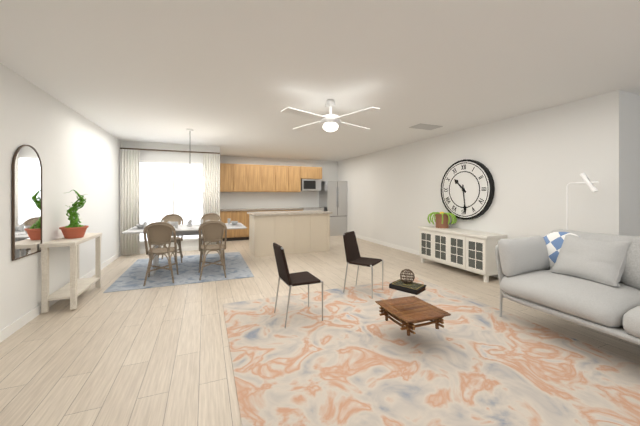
10:29
